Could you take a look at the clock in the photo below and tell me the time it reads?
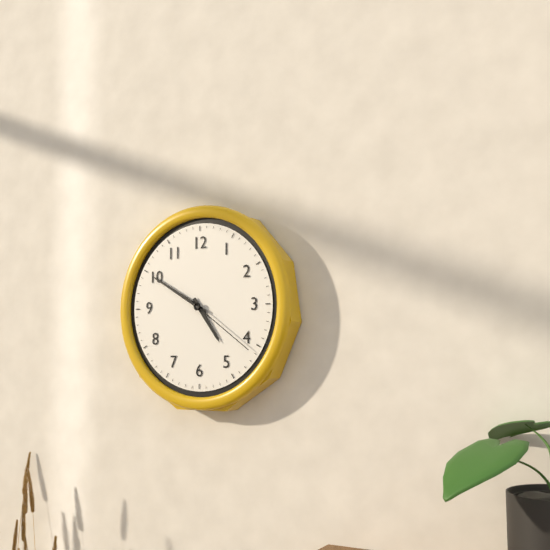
4:50:21
